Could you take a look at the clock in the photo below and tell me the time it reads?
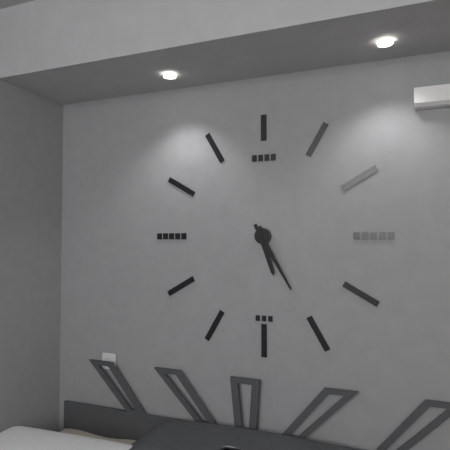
5:25
